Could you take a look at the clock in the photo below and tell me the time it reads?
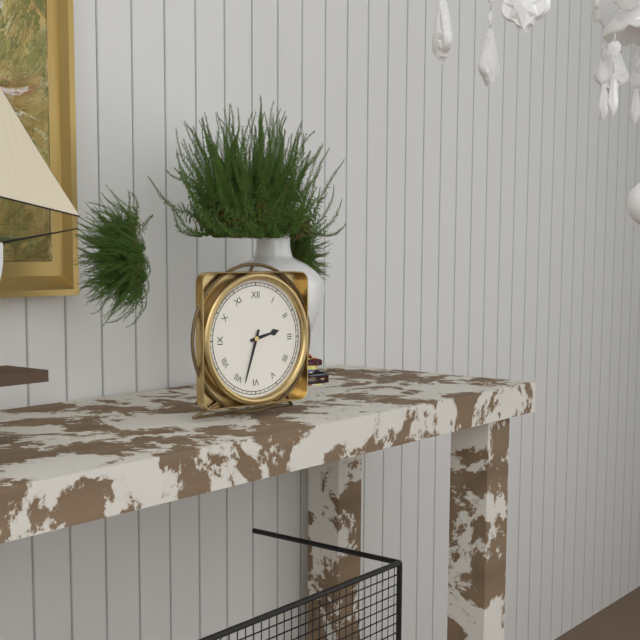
2:33
